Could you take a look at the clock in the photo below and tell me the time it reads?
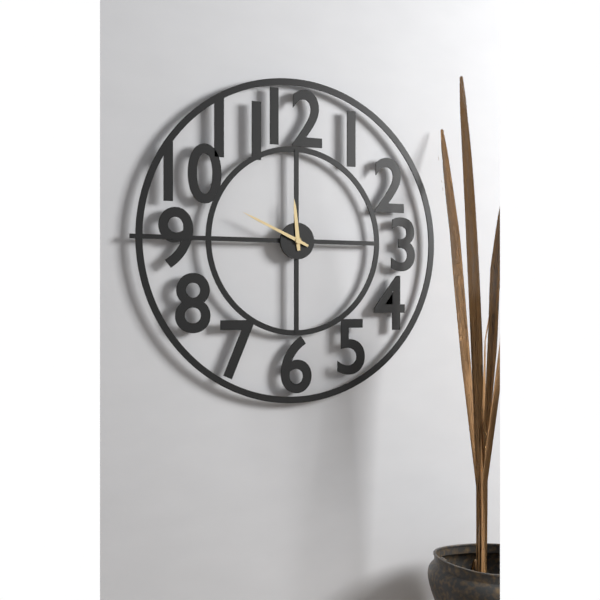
11:49
